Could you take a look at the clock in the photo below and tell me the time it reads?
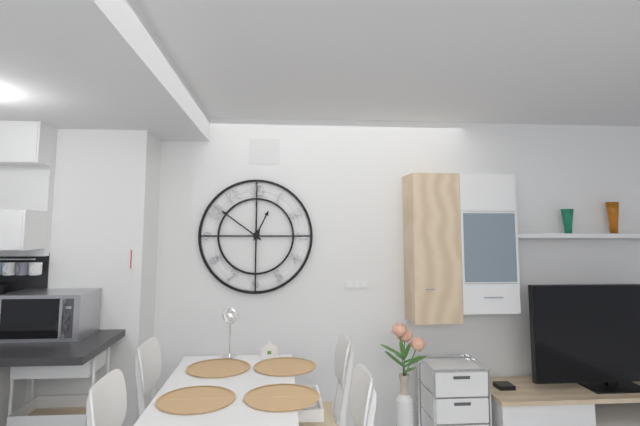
12:51
